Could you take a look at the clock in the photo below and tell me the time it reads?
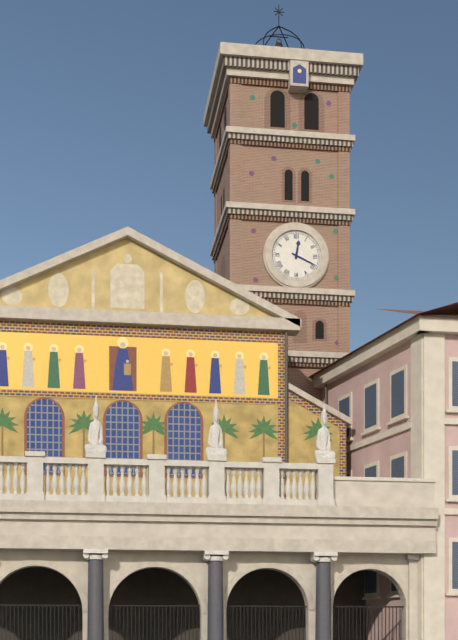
12:19
